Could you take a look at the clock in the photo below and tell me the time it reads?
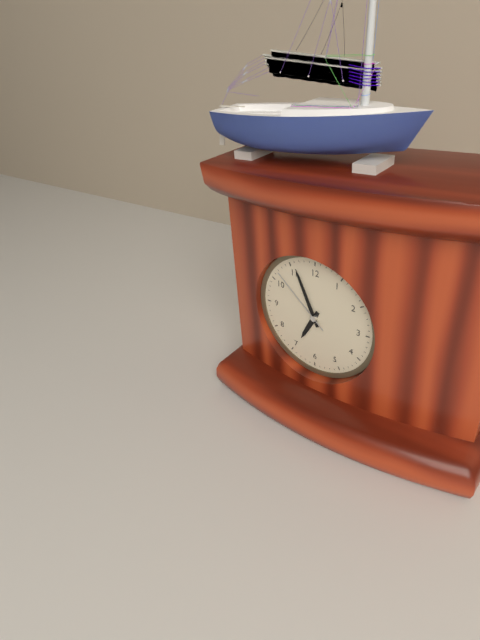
6:56:52
